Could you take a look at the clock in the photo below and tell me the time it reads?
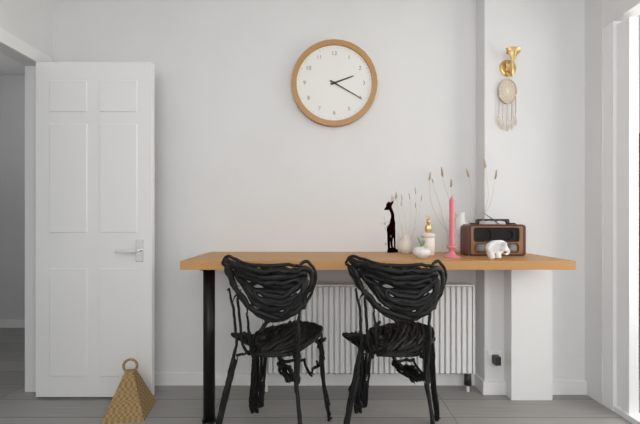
2:20
